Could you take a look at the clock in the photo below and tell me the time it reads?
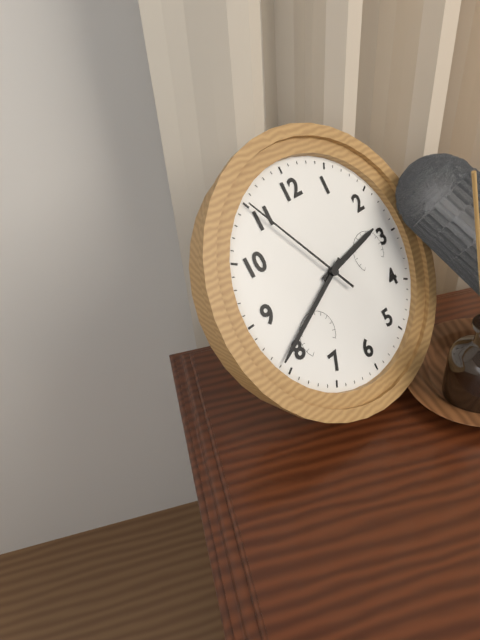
2:41:55
